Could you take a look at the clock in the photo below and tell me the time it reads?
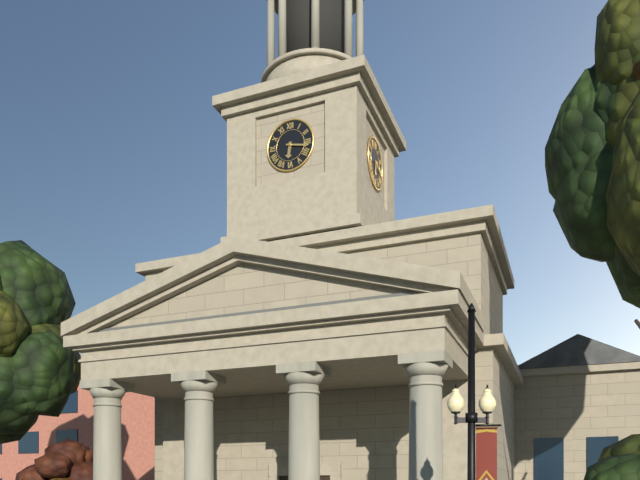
6:17
